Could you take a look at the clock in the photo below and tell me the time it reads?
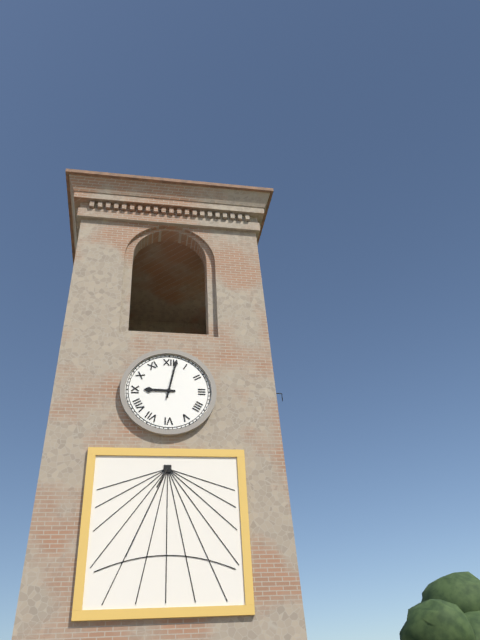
9:02
